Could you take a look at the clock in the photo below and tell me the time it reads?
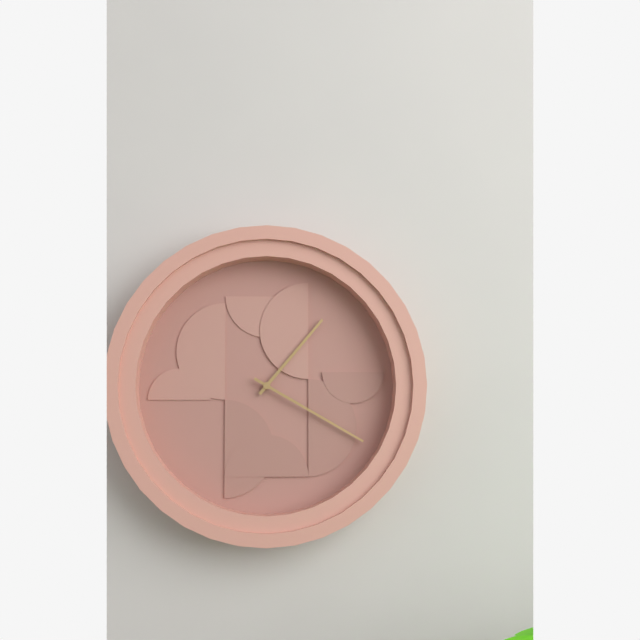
1:20
